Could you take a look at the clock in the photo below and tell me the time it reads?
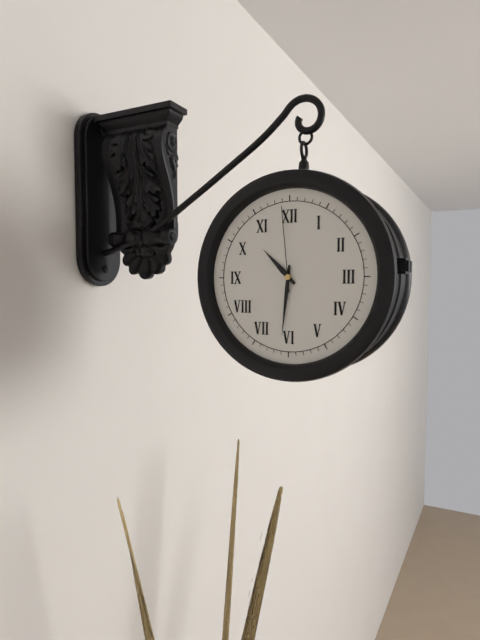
10:31:59
